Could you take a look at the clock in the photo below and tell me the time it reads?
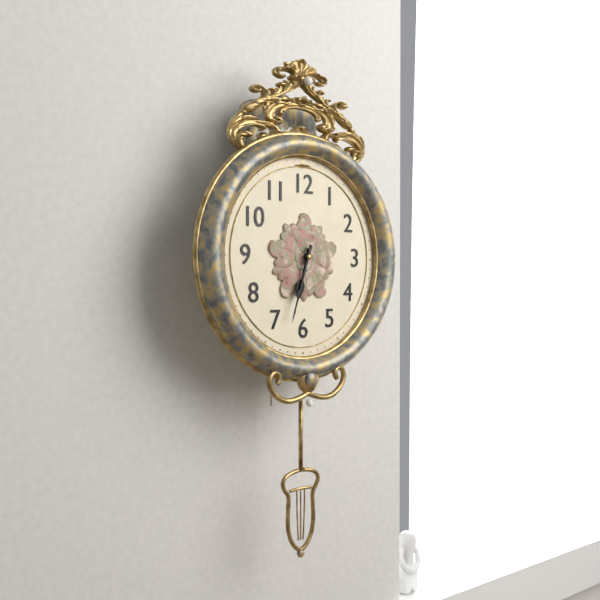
6:33
